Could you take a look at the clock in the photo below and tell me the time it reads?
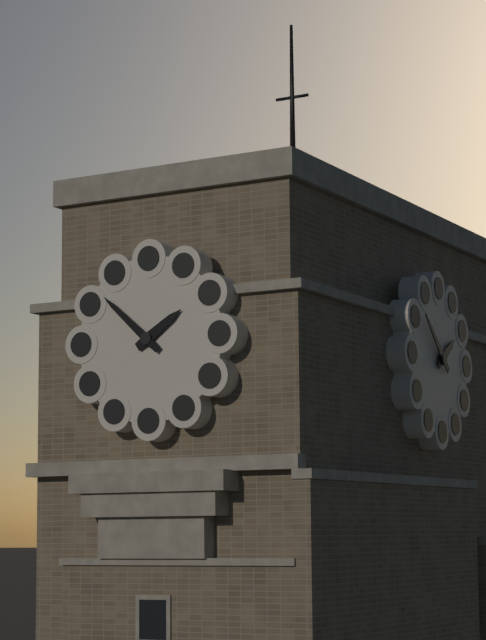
1:52
